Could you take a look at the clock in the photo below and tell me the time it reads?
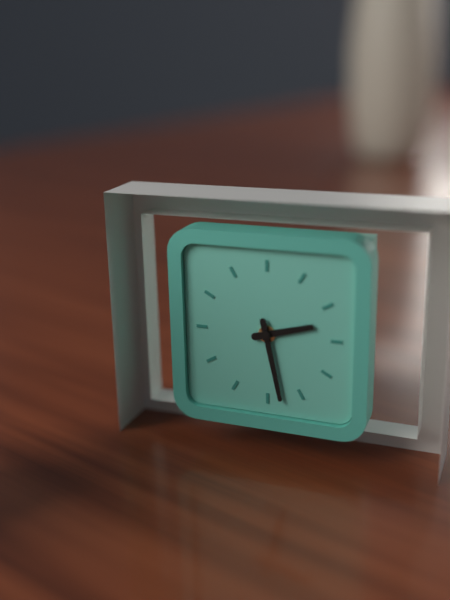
2:28
